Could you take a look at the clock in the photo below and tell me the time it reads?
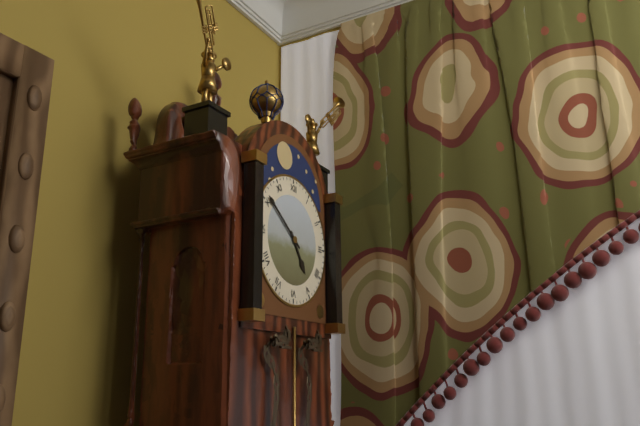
4:51
